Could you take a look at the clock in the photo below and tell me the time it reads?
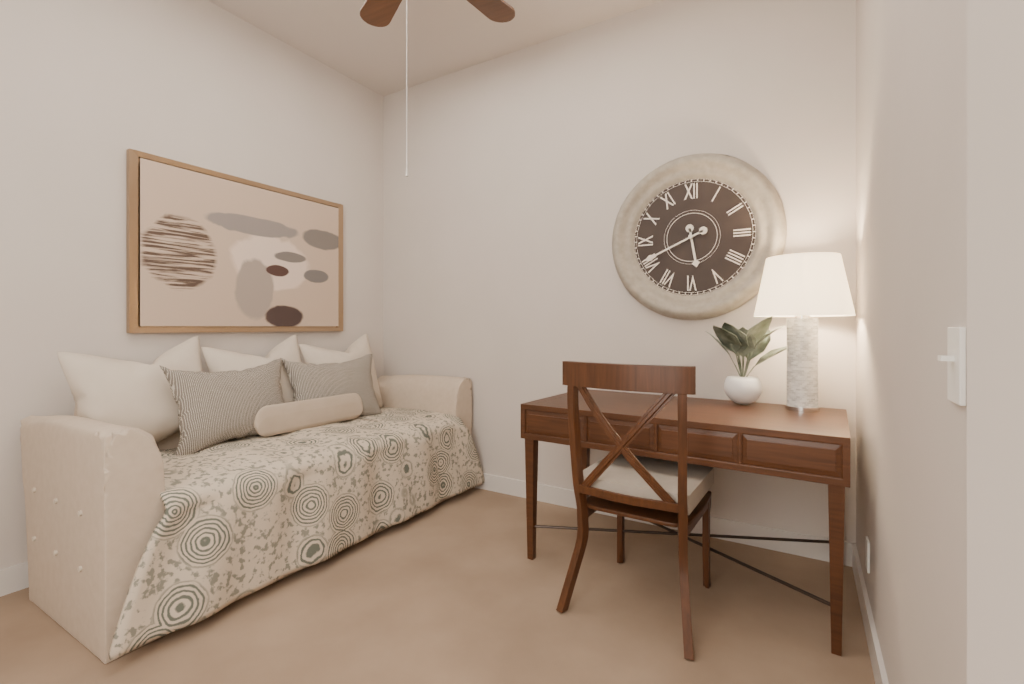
5:41
